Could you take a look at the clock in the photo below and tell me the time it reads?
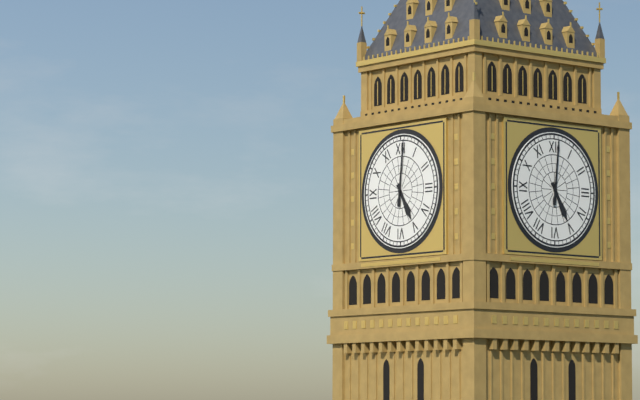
5:01
